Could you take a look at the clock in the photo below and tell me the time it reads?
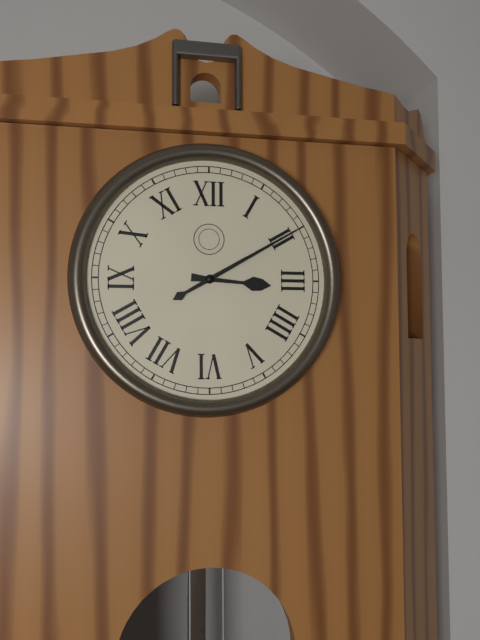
3:10
